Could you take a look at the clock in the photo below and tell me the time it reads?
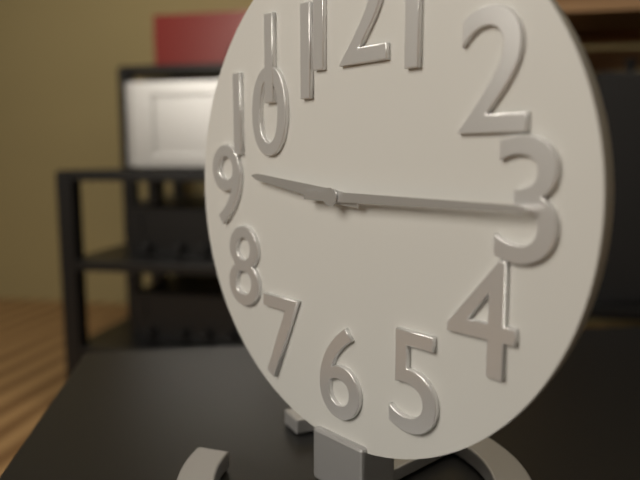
9:15
